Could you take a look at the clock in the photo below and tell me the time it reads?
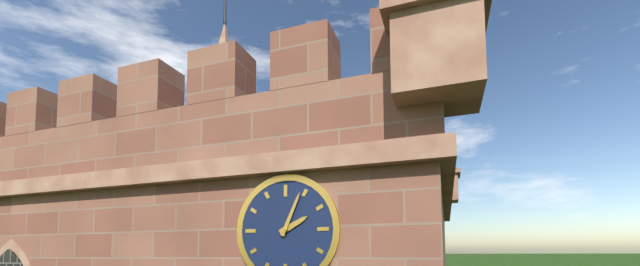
2:04
